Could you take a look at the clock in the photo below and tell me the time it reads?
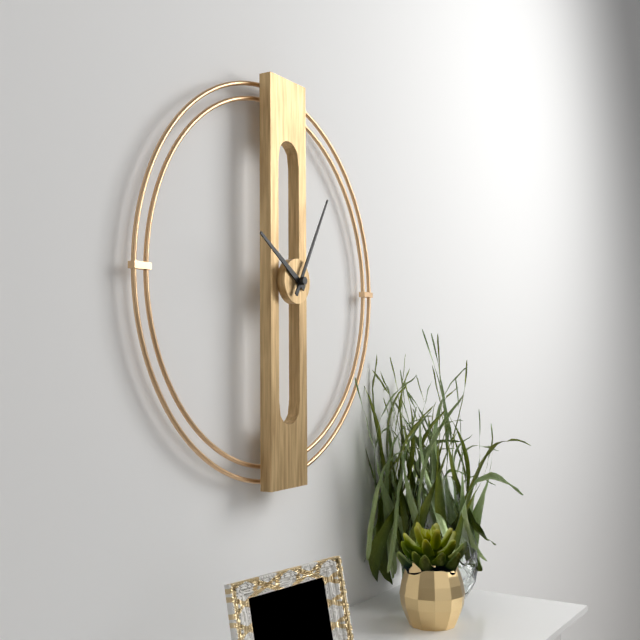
10:05
